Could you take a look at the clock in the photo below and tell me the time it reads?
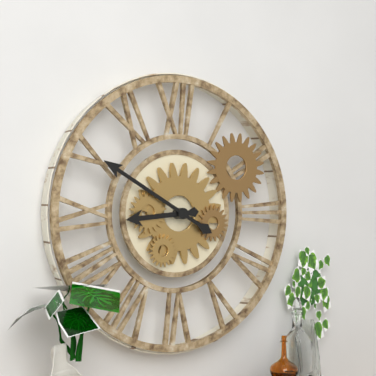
8:50
